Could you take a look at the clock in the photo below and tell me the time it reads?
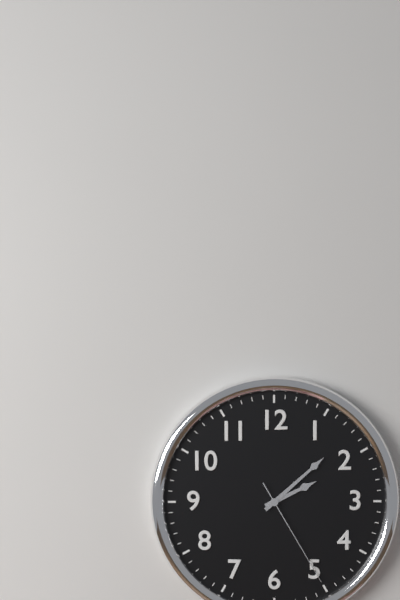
2:08:25
